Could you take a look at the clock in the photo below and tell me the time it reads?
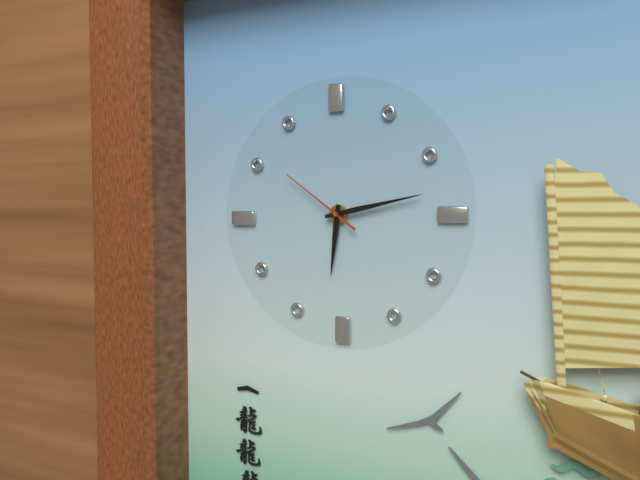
6:13:51
